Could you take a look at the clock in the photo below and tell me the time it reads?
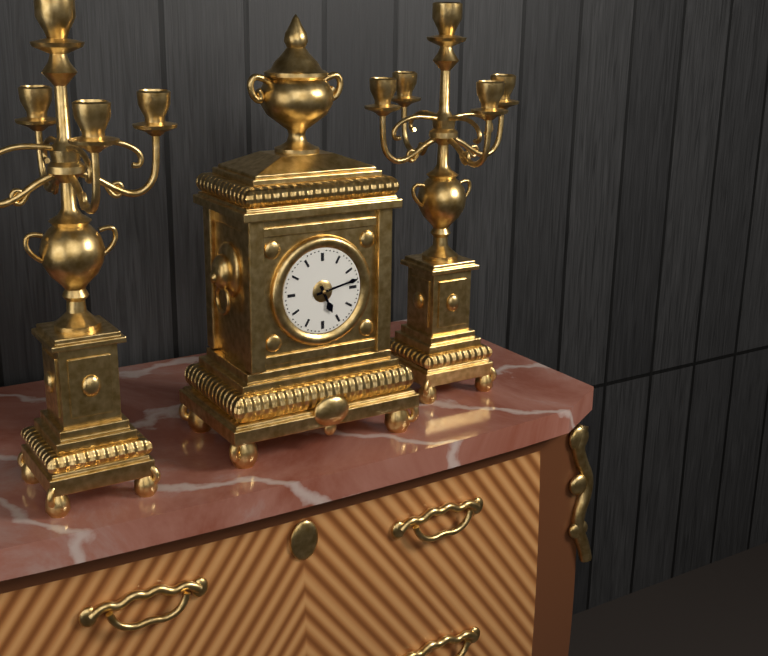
5:13
